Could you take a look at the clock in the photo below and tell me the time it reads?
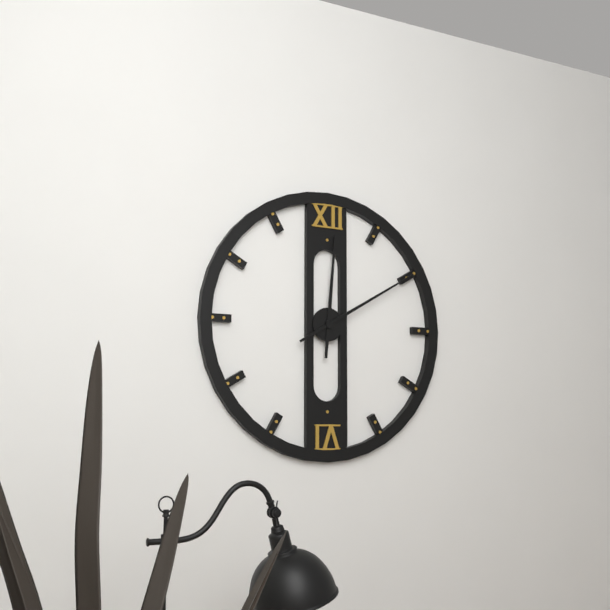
12:10
